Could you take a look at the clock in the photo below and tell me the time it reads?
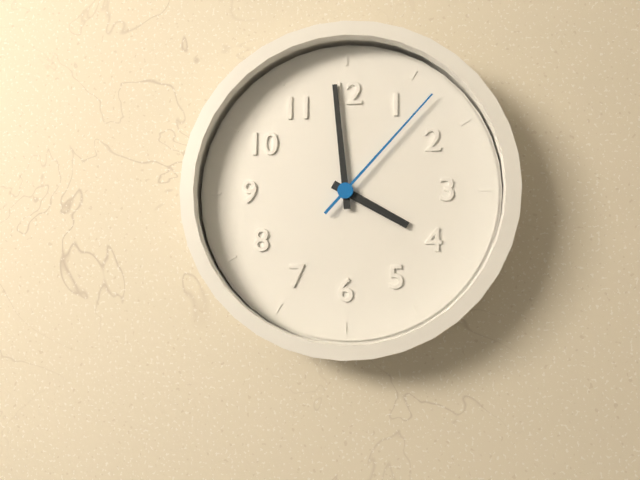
3:59:07
